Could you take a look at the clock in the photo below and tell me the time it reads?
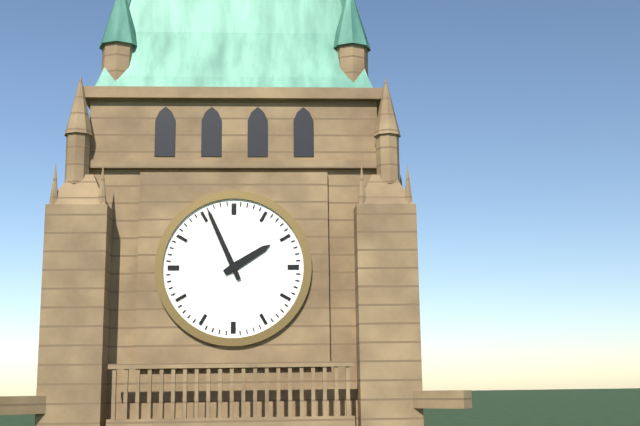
1:56
